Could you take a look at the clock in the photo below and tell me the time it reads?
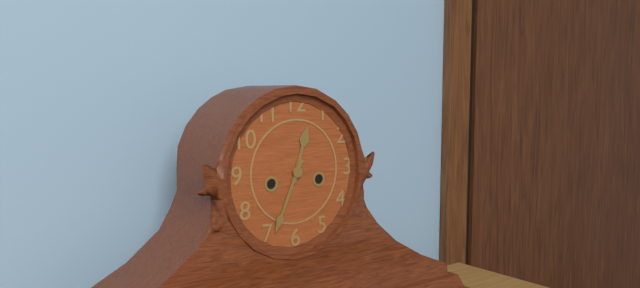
12:34
